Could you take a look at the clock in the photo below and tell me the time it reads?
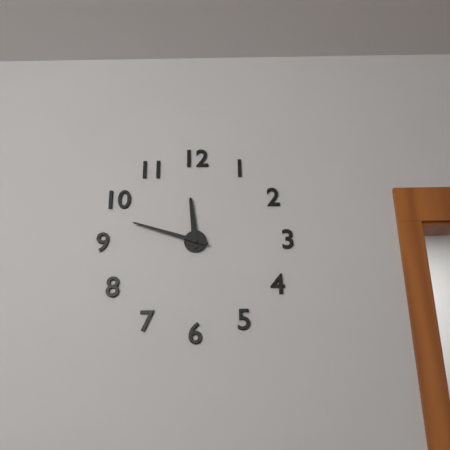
11:48
